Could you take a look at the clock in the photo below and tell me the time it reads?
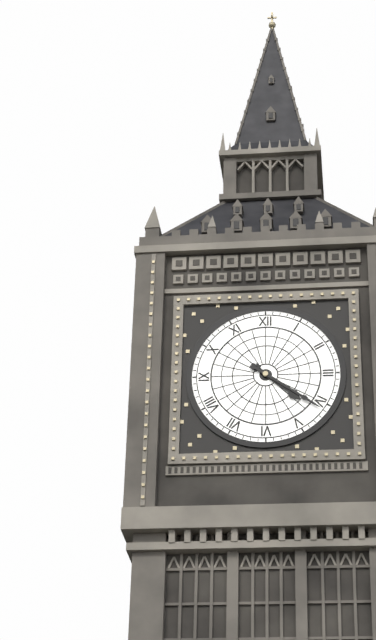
4:21
